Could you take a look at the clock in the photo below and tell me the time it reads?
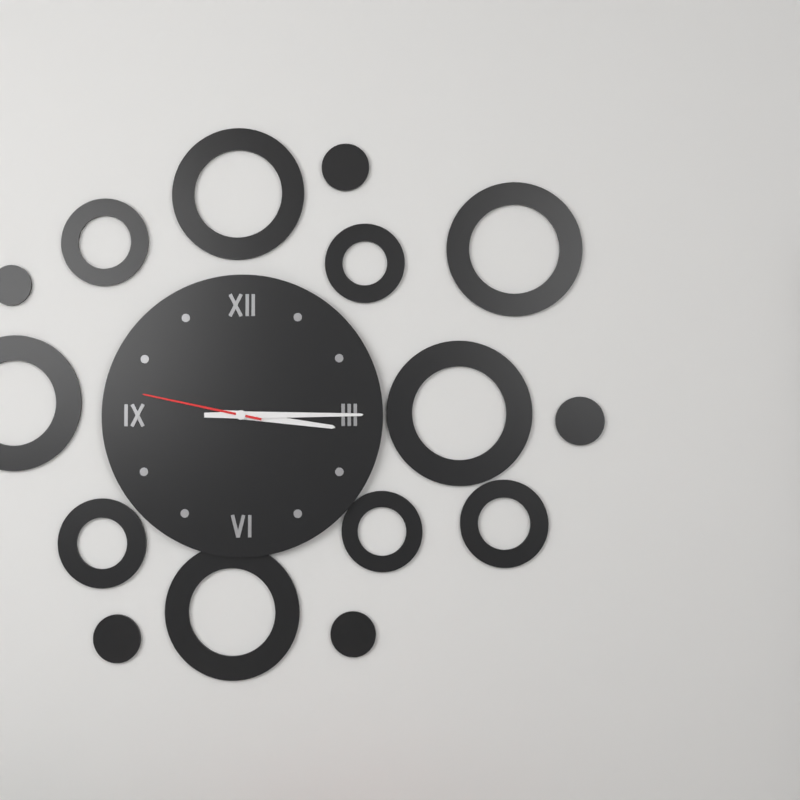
3:15:47
